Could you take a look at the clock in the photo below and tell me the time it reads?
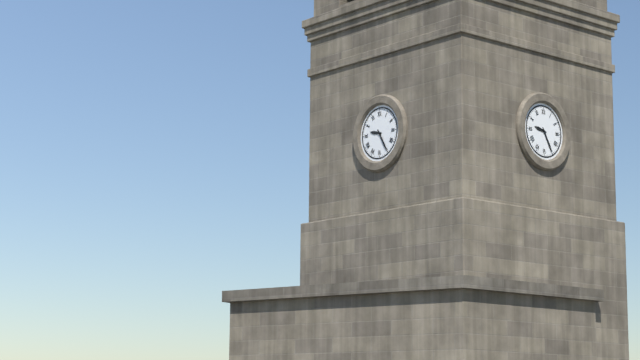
9:25
